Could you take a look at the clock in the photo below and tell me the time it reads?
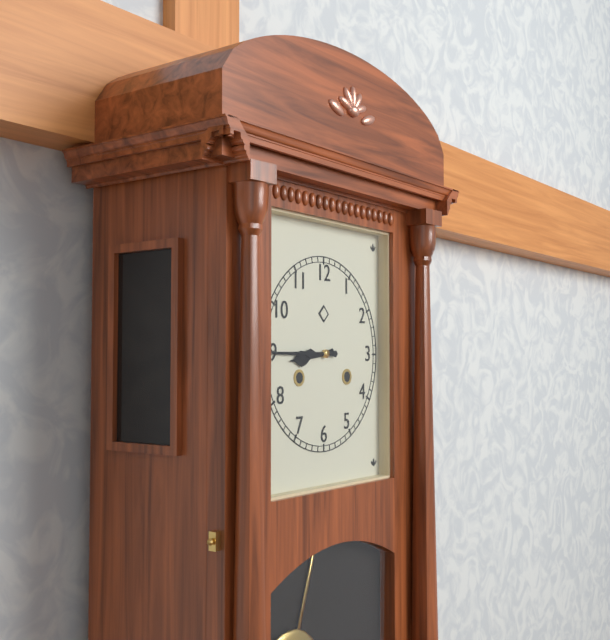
8:45
